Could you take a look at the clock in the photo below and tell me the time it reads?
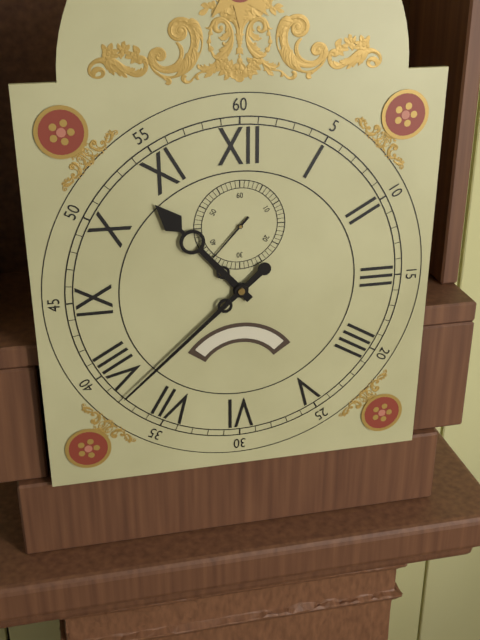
10:38:37
